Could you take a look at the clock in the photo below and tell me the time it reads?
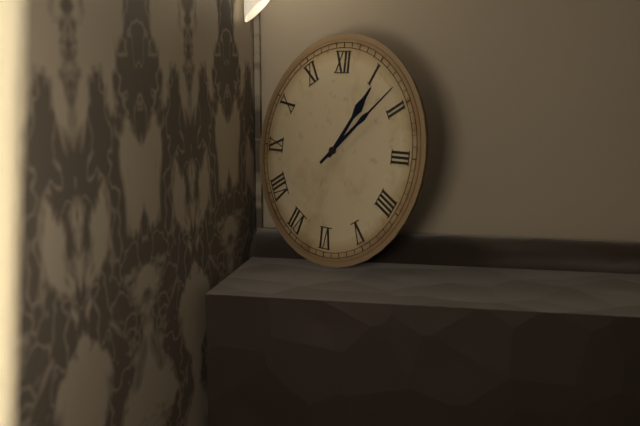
1:08
